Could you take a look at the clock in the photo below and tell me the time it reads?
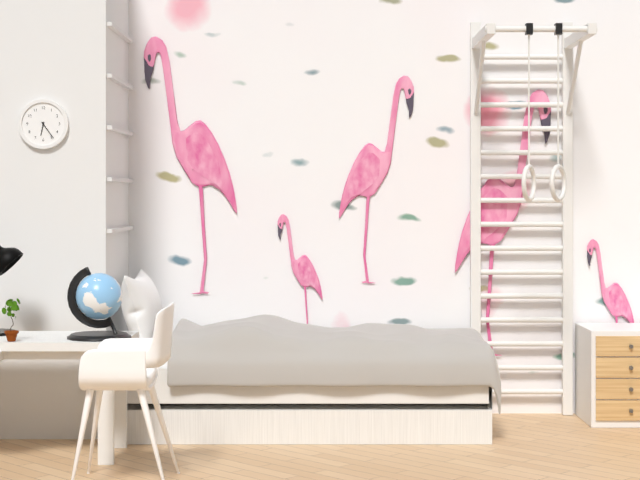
6:24
